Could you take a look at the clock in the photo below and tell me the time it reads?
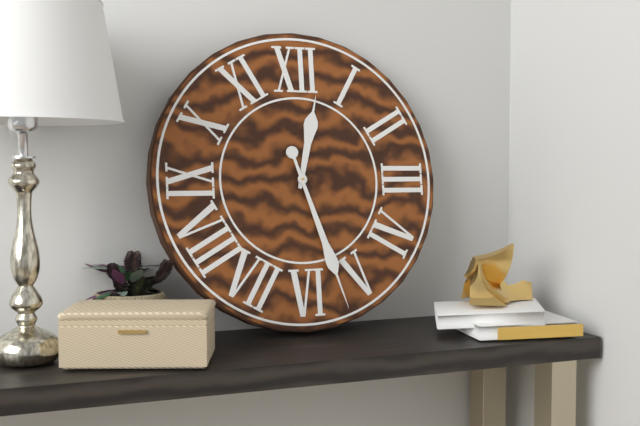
12:27
